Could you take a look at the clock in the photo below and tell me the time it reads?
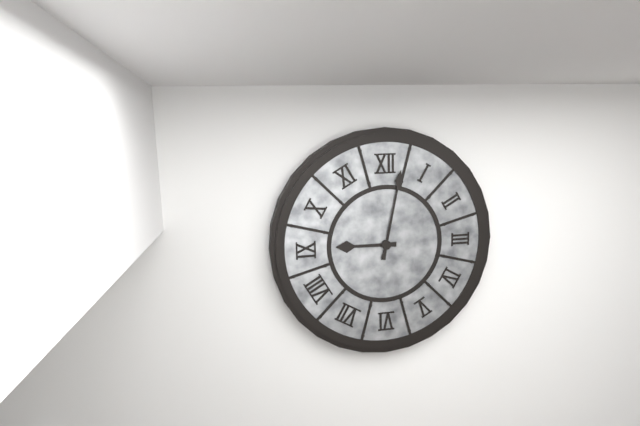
9:02
